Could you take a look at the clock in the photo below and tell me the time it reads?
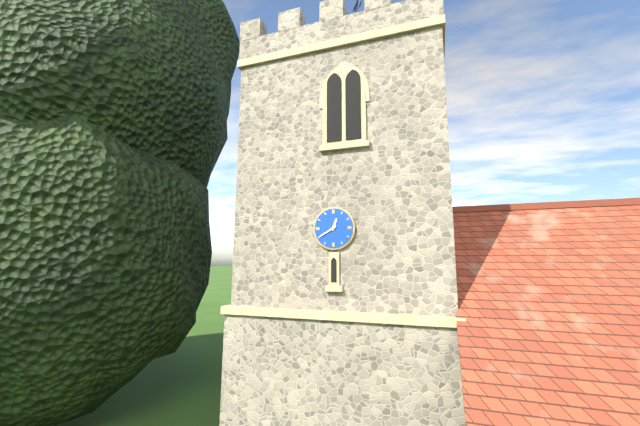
12:40
